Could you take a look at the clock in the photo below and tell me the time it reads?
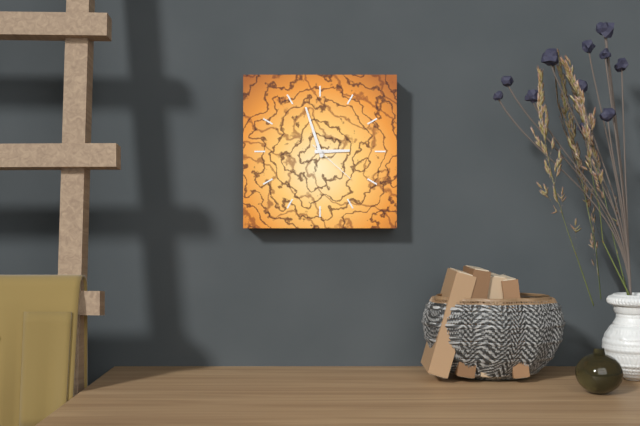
2:57:22
